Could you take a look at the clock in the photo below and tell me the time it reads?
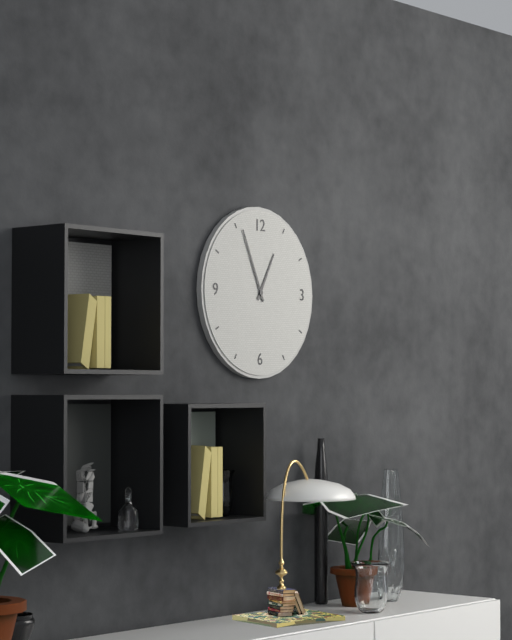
12:56
